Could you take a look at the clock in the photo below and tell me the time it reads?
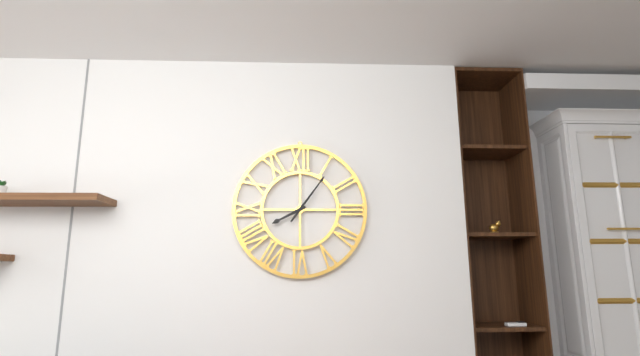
8:06
